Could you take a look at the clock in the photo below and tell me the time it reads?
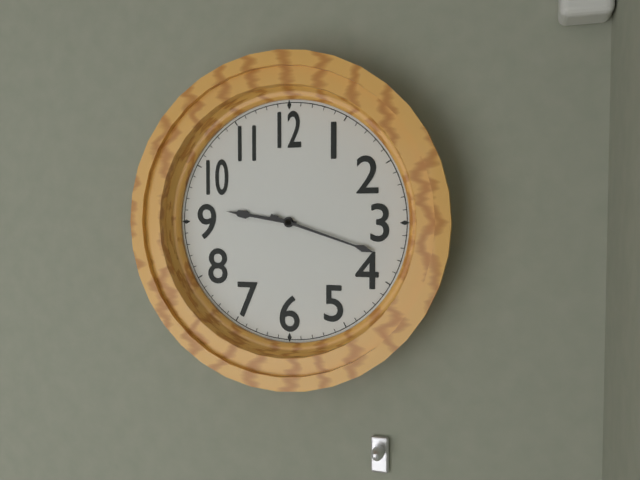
9:18
